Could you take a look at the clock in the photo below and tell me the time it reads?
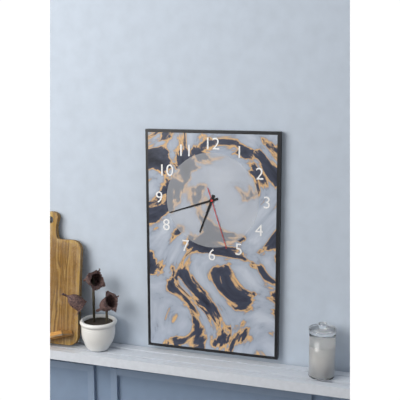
6:42:27
